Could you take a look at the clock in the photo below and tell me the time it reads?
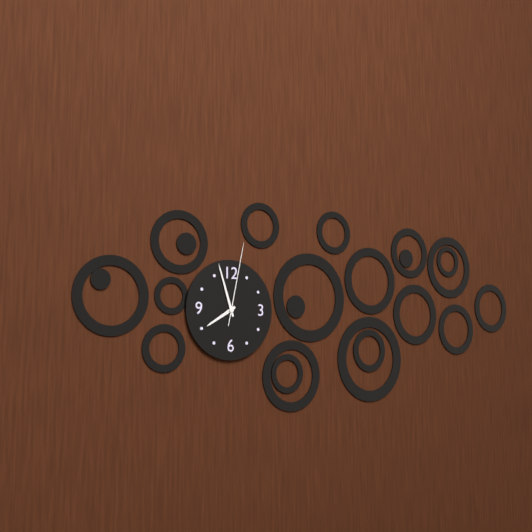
7:57:02
